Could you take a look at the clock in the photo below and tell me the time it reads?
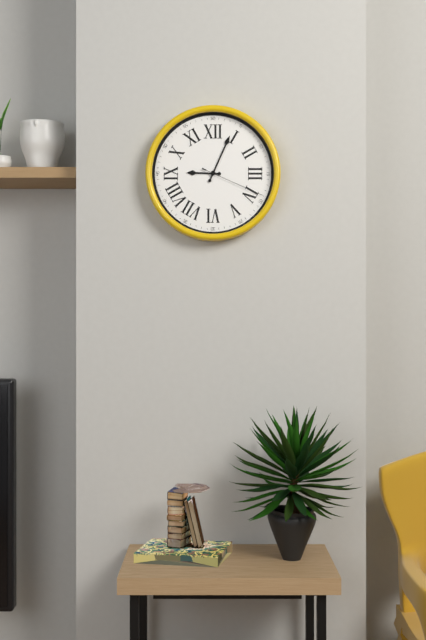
9:04:19
